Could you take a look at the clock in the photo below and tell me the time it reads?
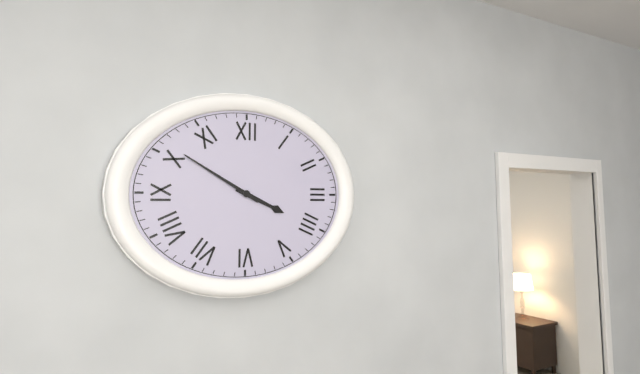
3:50
